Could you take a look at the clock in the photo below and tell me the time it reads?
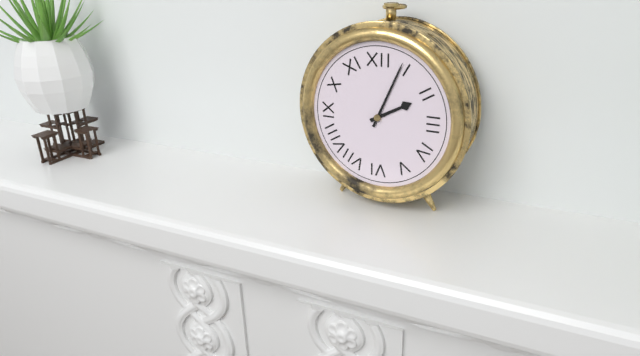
2:04
